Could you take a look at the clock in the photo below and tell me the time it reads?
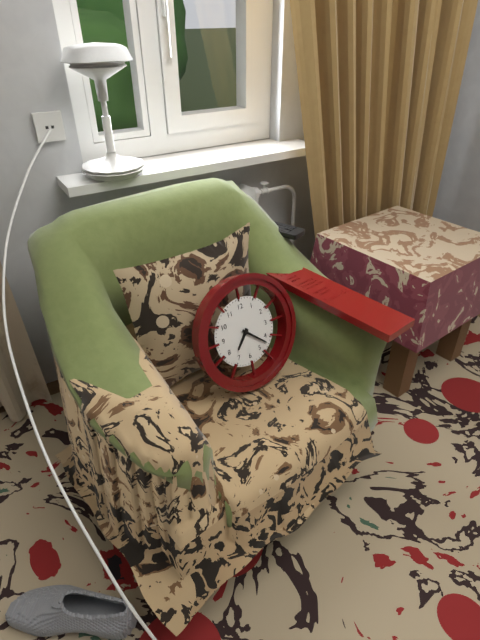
7:22
